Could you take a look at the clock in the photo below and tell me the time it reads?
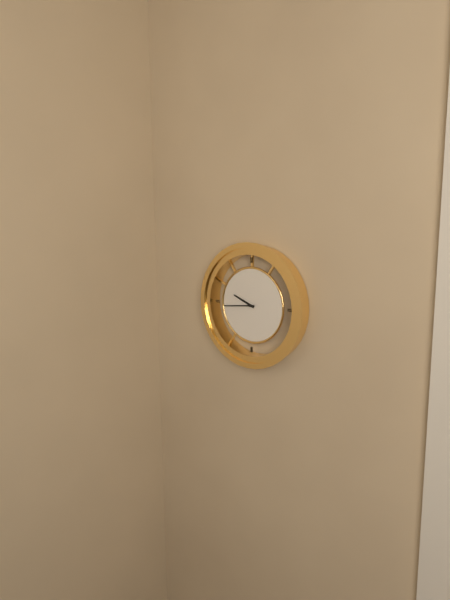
9:44
